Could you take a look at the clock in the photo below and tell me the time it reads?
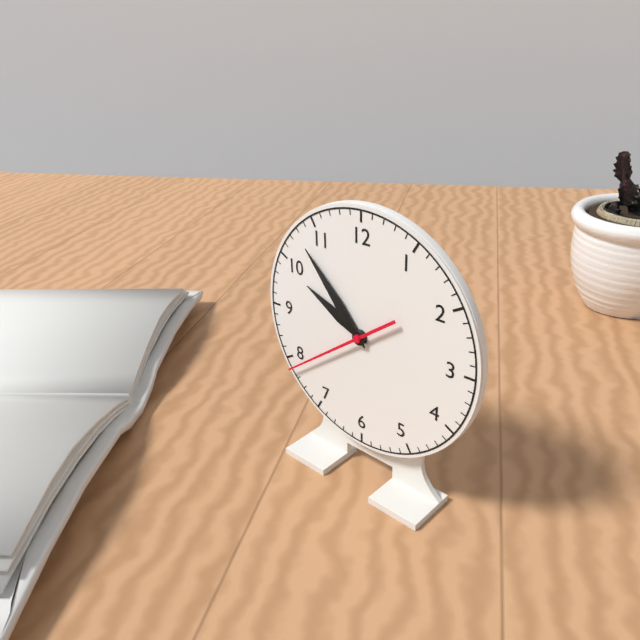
9:53:39
